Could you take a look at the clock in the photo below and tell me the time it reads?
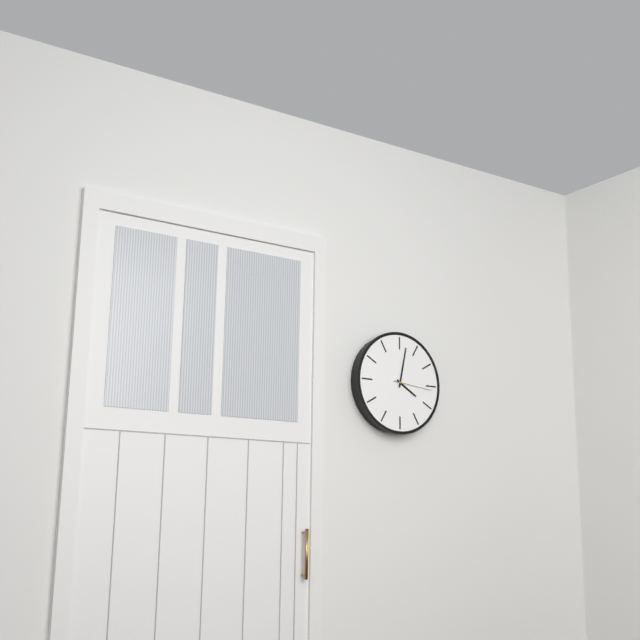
4:02
